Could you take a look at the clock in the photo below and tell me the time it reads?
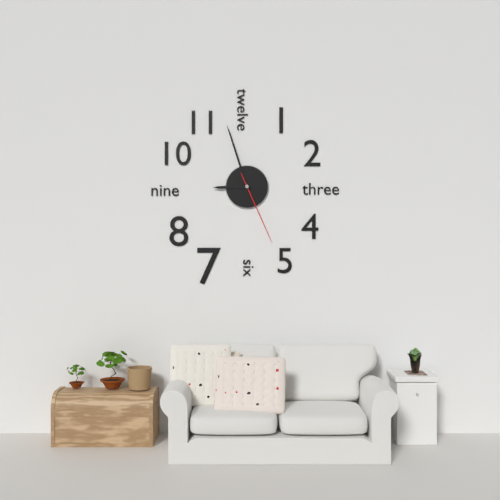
8:57:26
